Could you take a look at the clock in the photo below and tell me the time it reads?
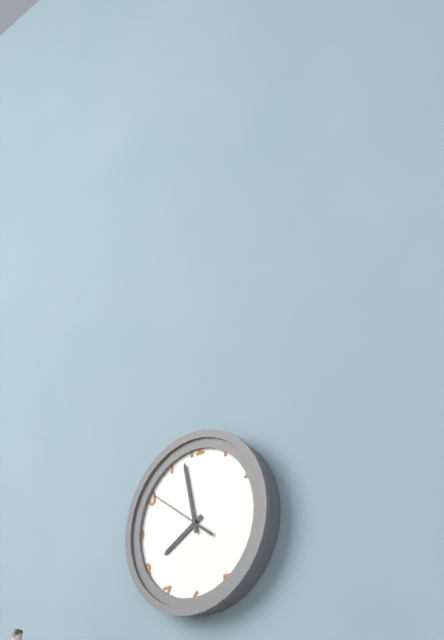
7:58:51
